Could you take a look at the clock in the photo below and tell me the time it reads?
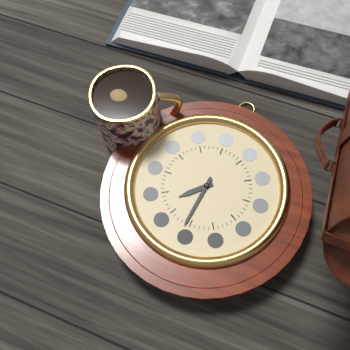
7:31
